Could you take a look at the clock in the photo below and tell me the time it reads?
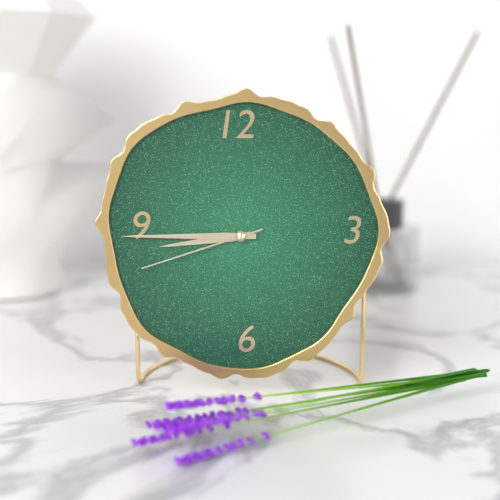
8:45:42
